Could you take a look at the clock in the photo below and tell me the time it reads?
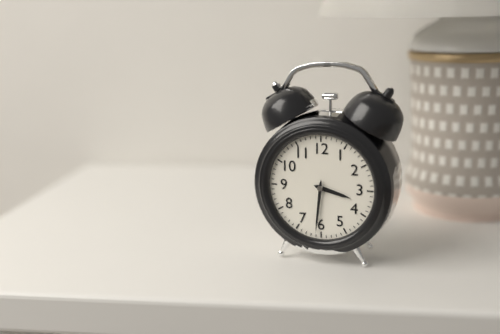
3:31
